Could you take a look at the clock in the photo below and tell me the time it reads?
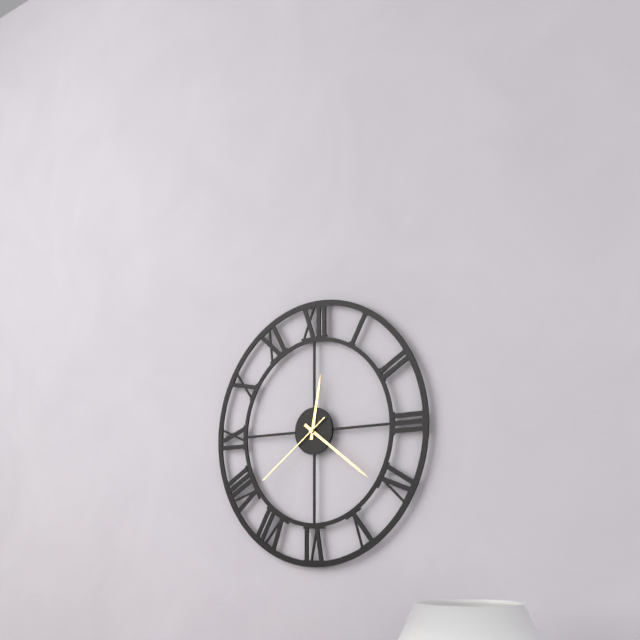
12:21:39
